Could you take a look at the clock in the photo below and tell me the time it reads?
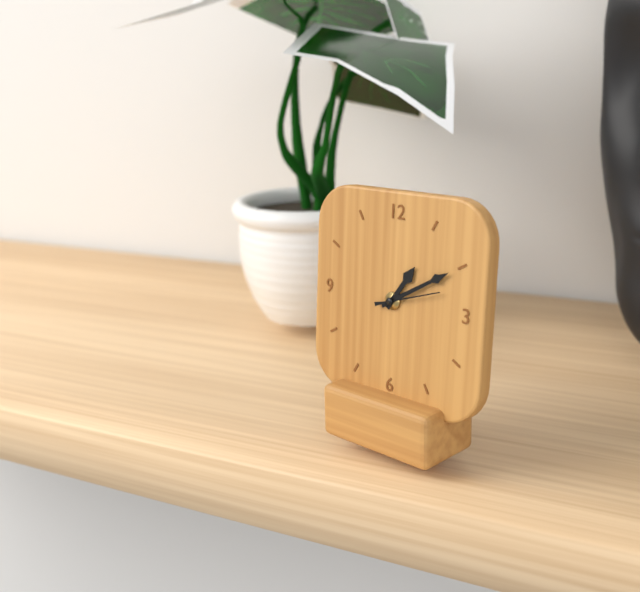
1:10:12
